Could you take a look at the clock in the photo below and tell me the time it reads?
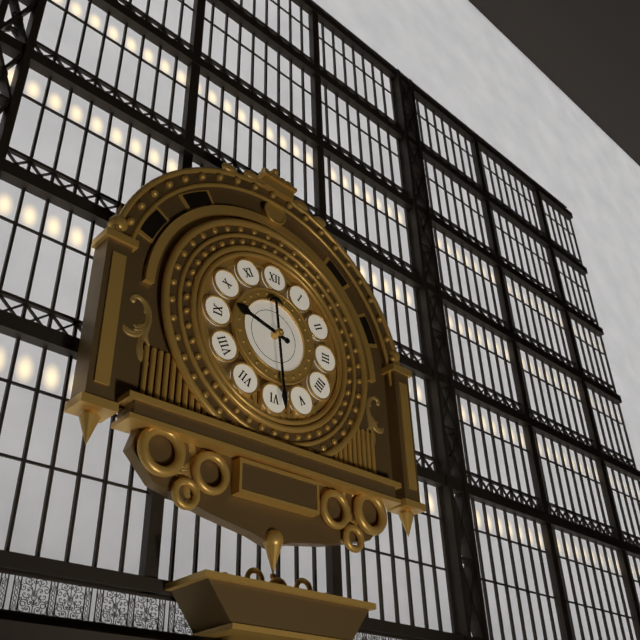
9:29
